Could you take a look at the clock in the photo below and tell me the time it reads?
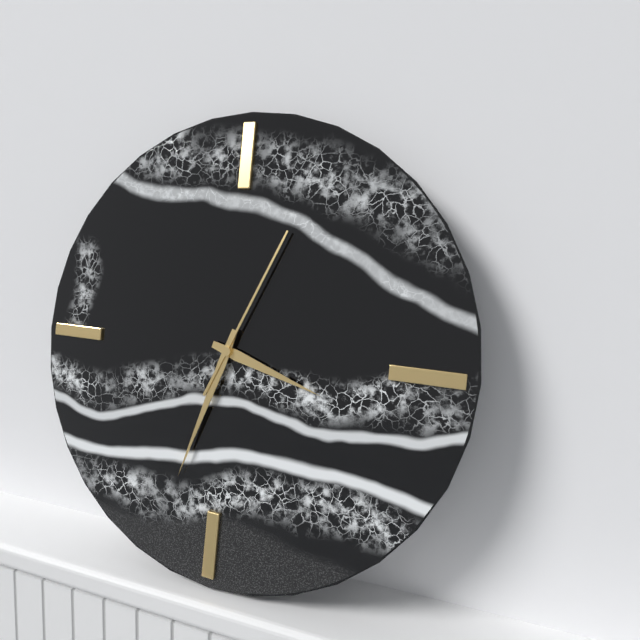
3:33:04
